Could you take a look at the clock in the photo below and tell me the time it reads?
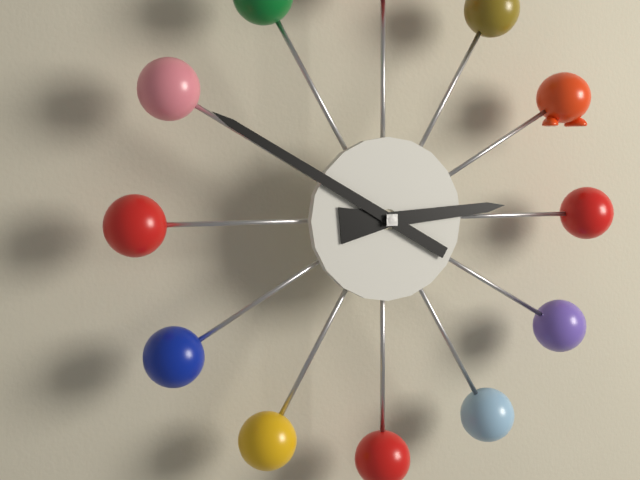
2:50
